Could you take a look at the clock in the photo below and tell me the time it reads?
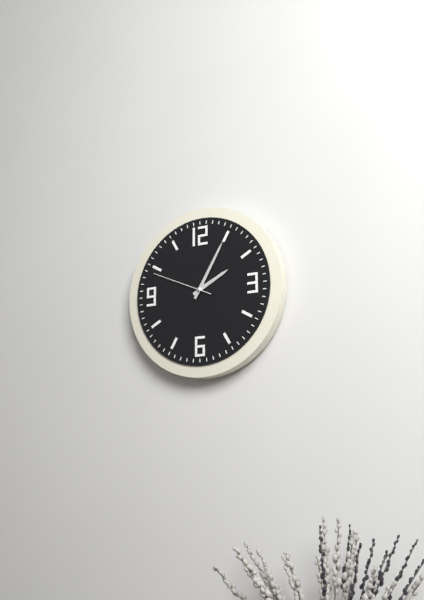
2:05:49
